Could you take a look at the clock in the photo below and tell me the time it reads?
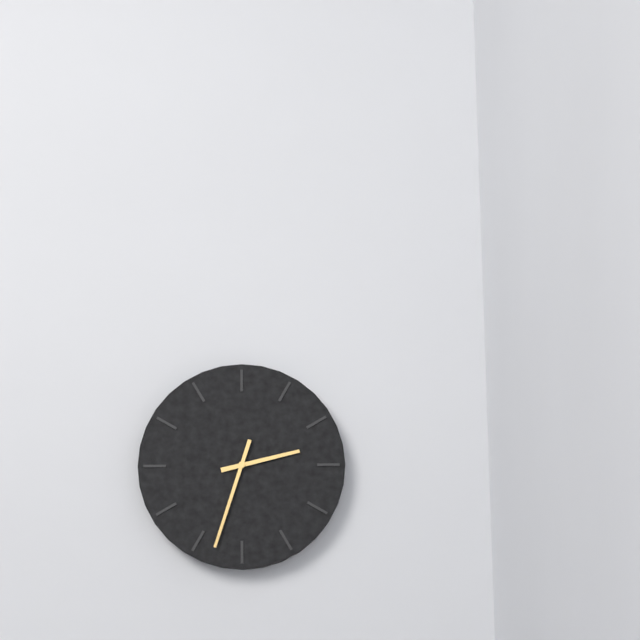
2:33
